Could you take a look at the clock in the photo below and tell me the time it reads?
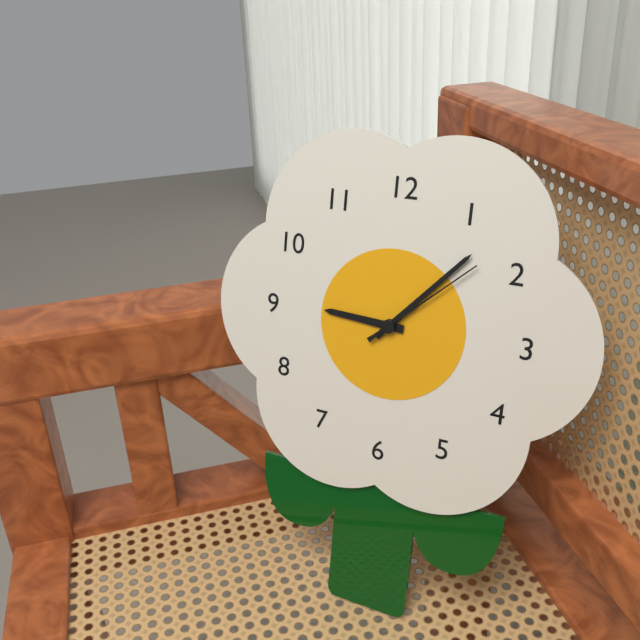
9:07:08
